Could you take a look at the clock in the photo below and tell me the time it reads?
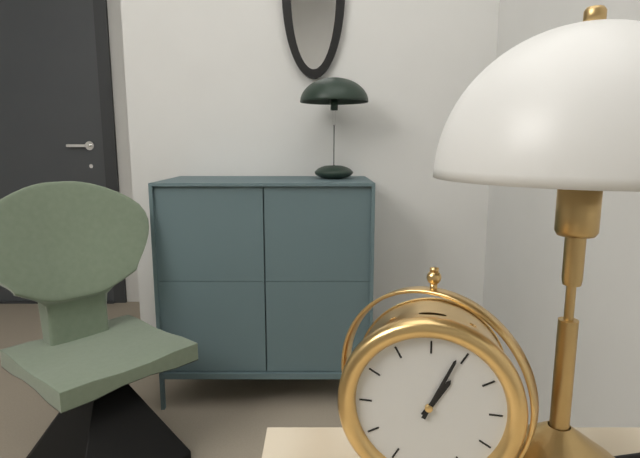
1:04
